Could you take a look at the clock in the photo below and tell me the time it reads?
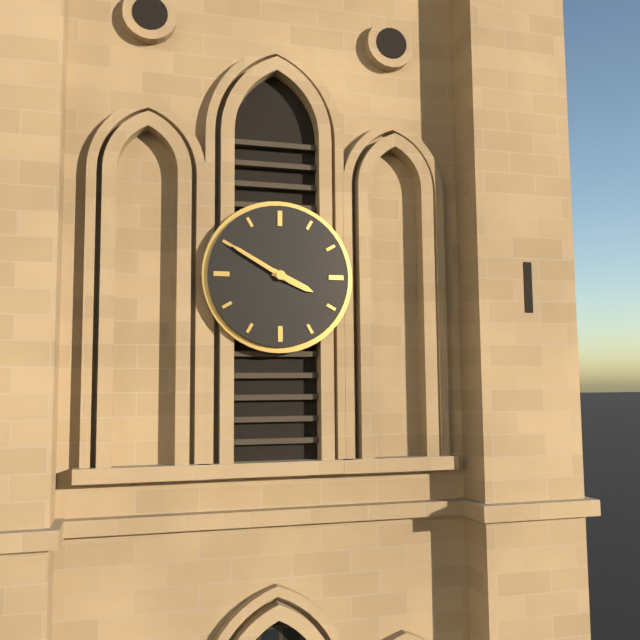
3:50
